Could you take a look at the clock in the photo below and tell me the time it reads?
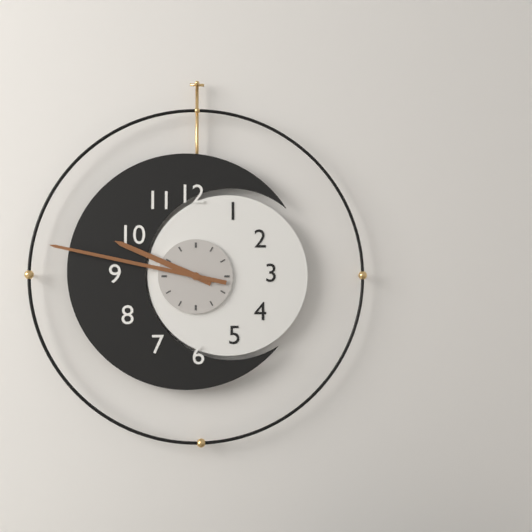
9:47
